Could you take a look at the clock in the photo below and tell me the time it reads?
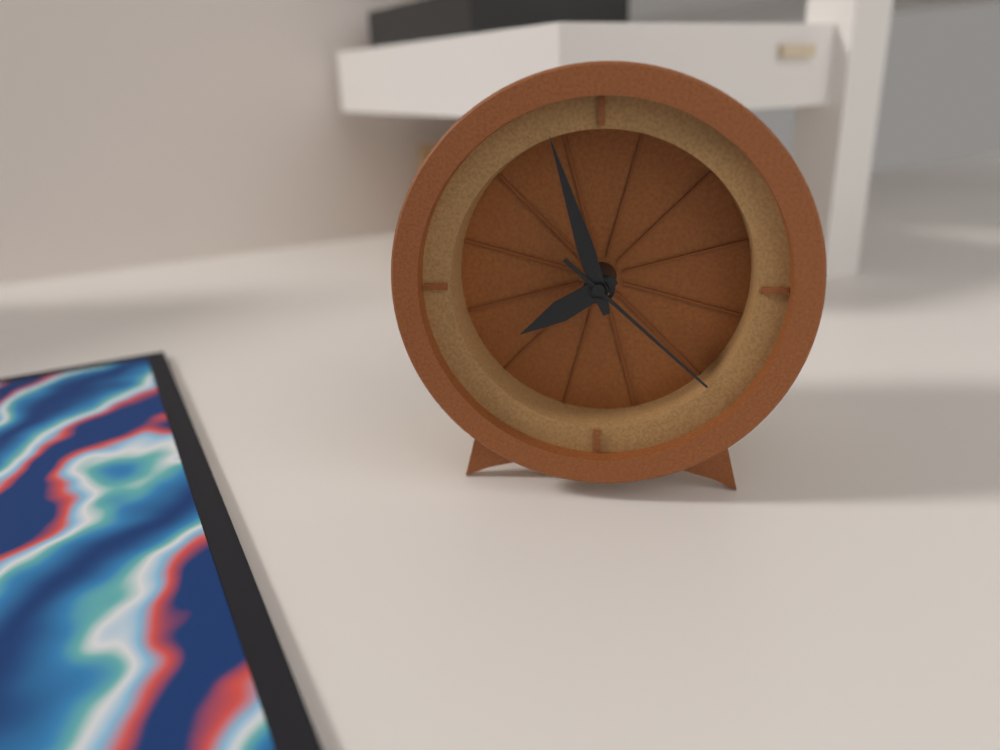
7:57:22
